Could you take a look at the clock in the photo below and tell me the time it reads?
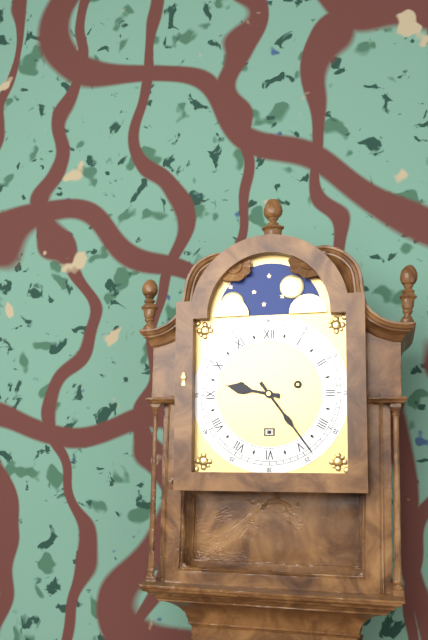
9:24
